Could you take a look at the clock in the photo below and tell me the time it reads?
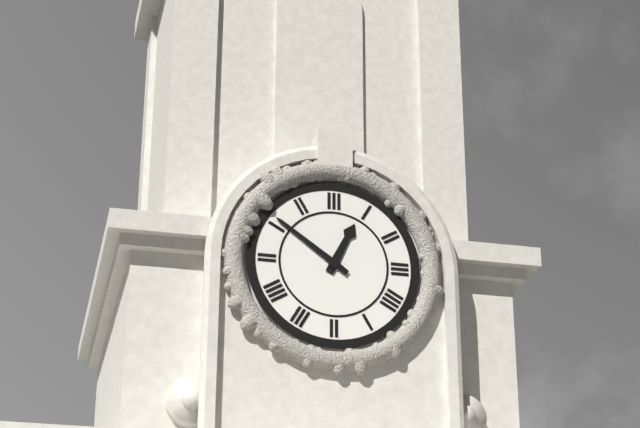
12:51
